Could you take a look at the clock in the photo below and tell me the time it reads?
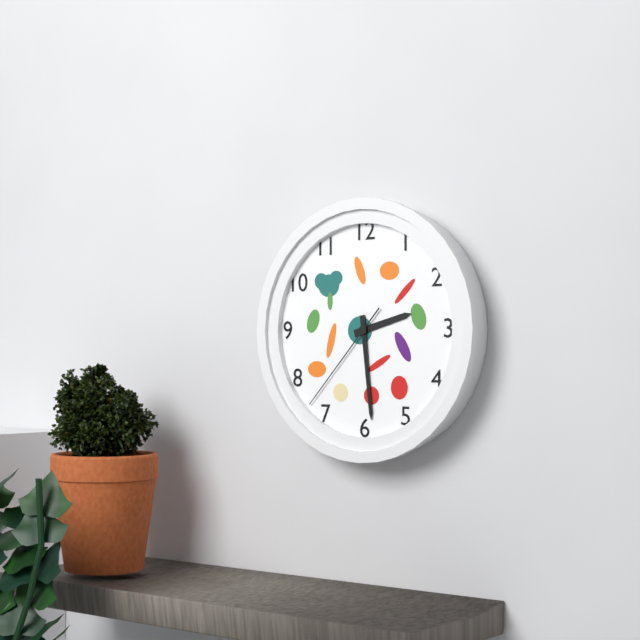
2:29:37
